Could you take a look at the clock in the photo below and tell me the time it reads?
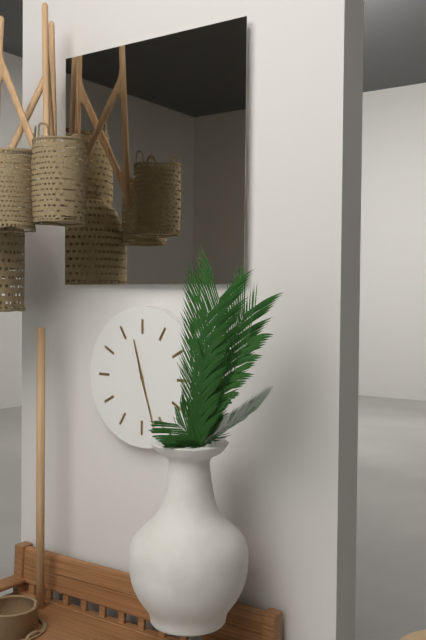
11:27
